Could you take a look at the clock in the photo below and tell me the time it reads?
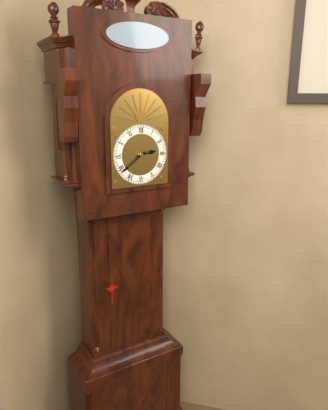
2:39
